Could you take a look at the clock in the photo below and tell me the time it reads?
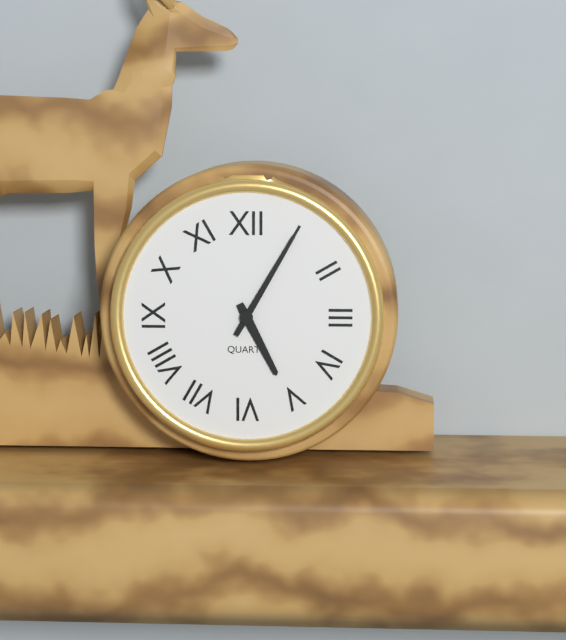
5:05
